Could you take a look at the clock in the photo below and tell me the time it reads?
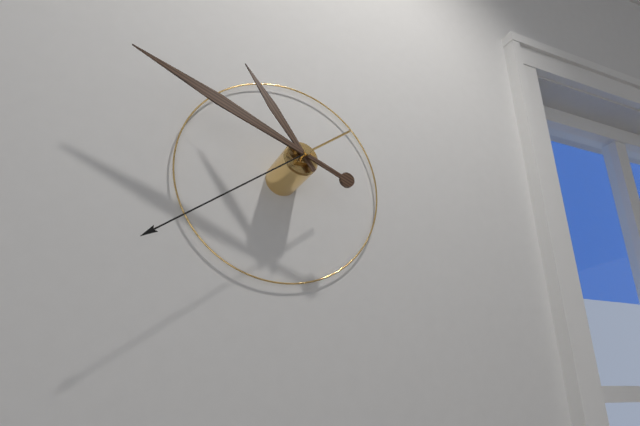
10:49:39
